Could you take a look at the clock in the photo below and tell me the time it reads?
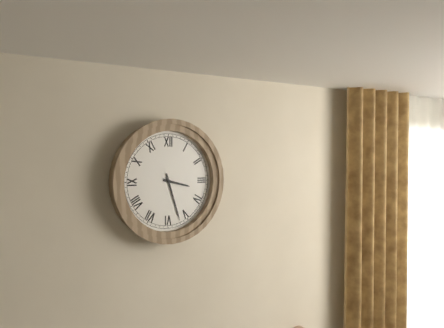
3:27
